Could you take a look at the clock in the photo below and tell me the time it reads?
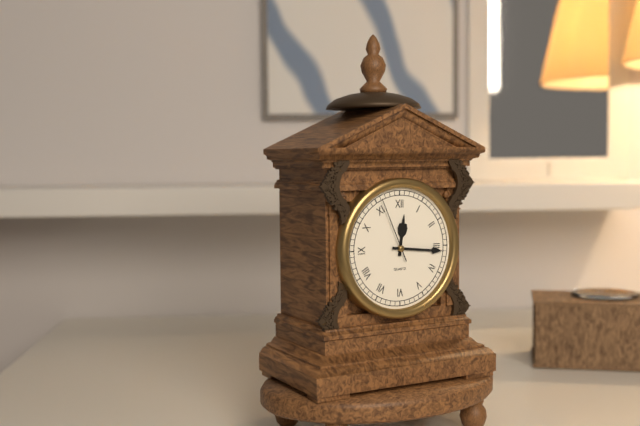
12:16:56
